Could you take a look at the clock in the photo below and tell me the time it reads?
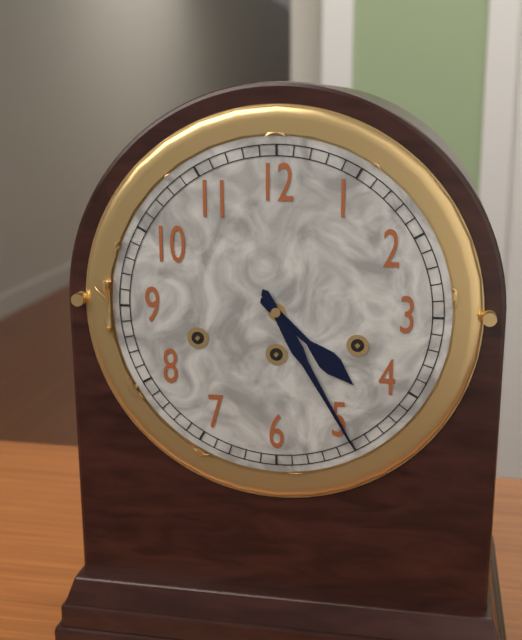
4:25
